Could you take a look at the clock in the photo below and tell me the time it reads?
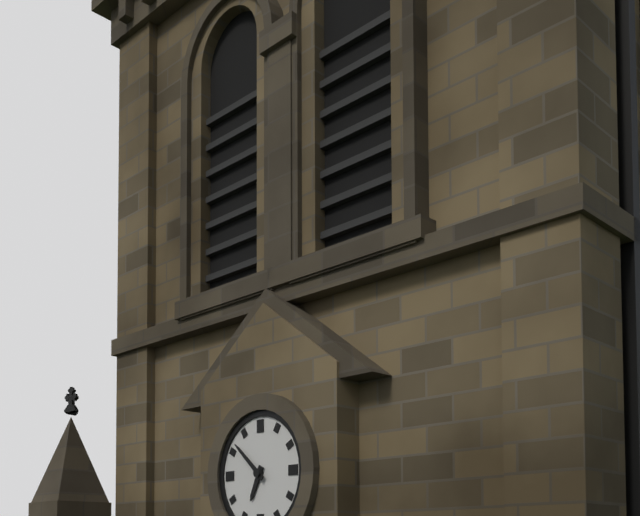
6:52
